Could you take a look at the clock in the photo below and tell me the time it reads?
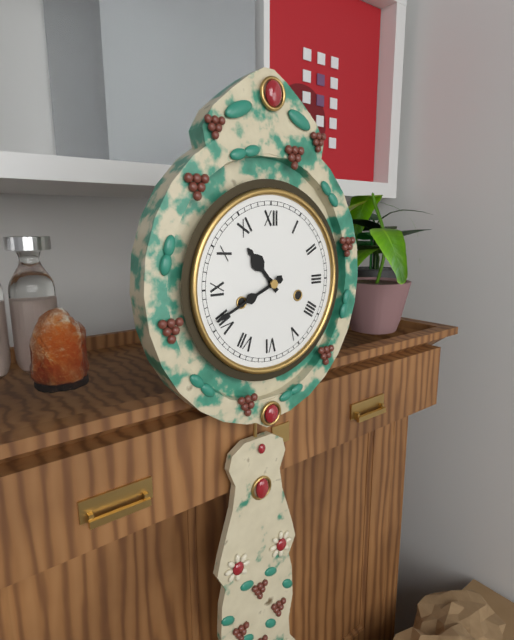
10:41
